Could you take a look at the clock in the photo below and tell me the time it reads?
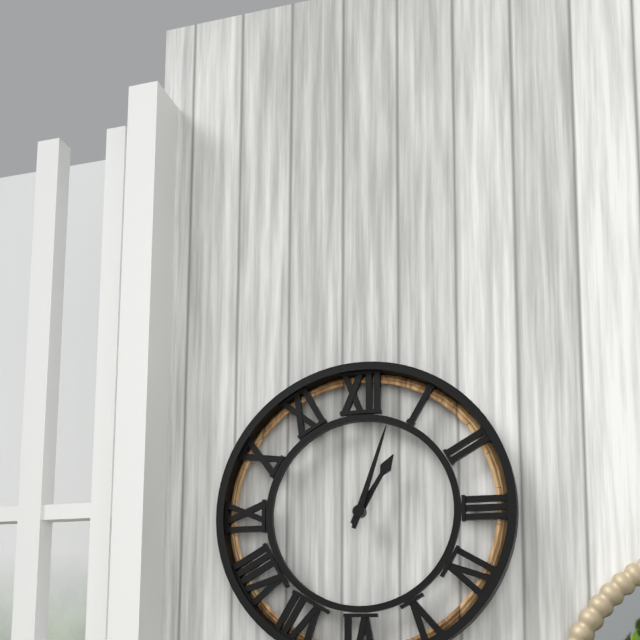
1:03
